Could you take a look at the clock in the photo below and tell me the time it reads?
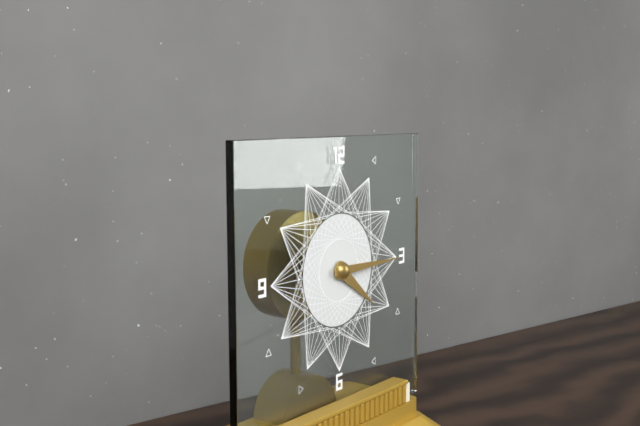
4:15
